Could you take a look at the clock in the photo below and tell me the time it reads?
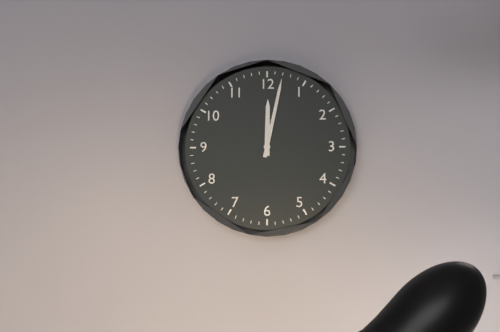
12:02
